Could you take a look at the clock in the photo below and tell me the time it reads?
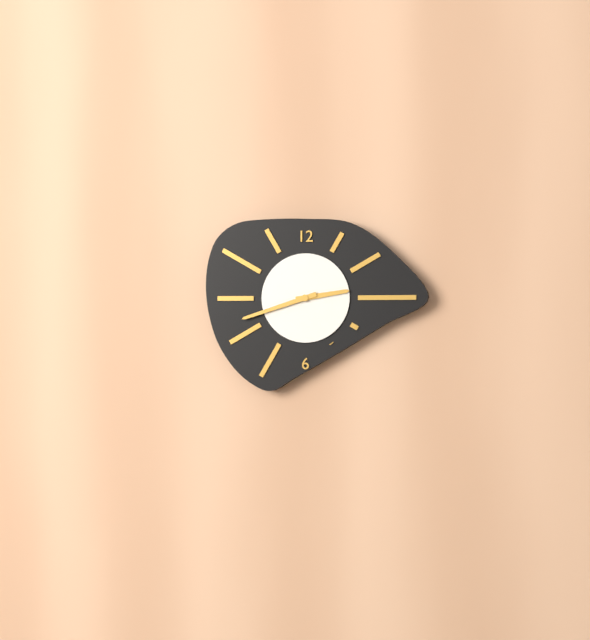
2:42
